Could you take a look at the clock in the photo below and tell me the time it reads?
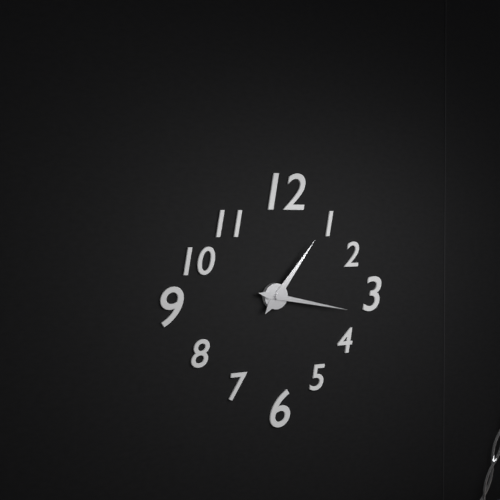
1:17
